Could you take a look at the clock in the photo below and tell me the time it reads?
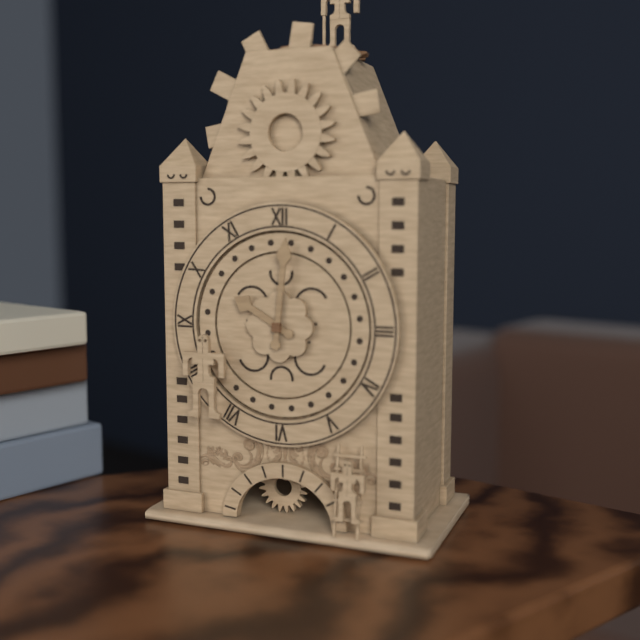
10:01
